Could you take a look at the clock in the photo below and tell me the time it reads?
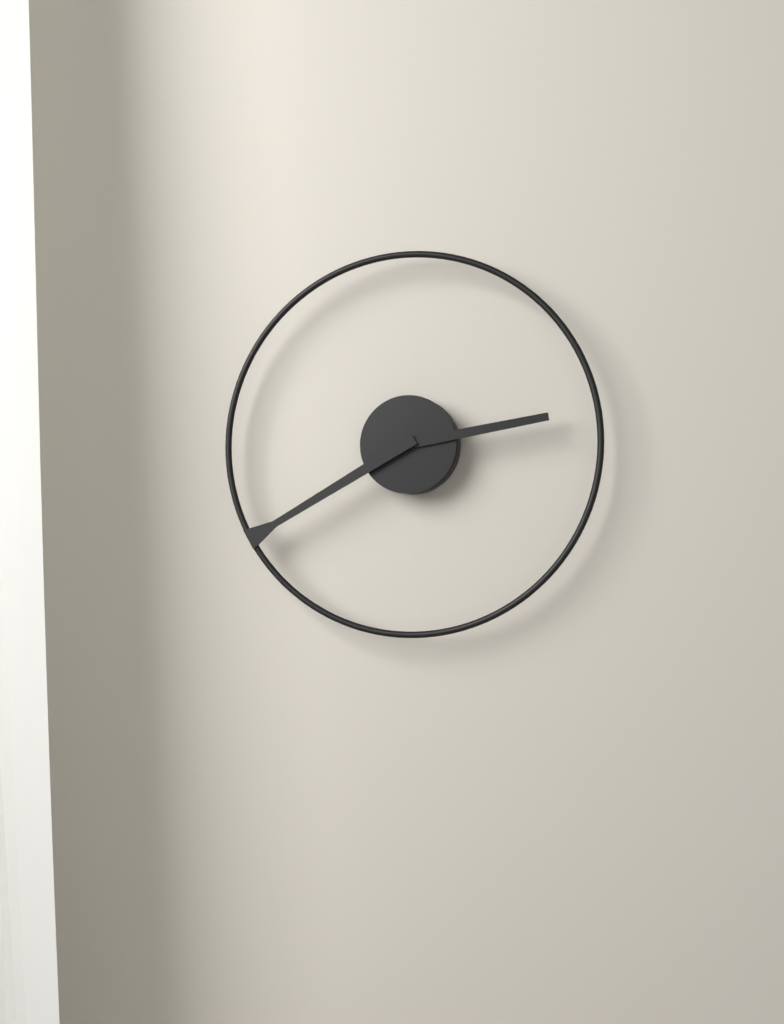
2:40
